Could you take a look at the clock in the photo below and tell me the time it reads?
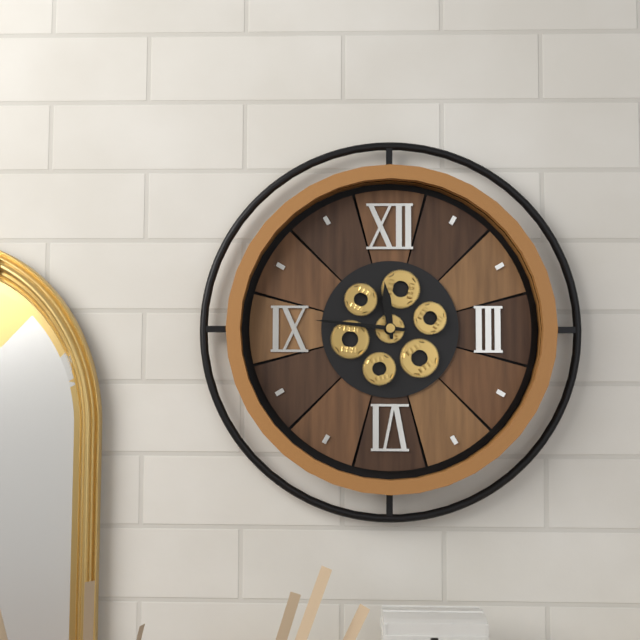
11:46
